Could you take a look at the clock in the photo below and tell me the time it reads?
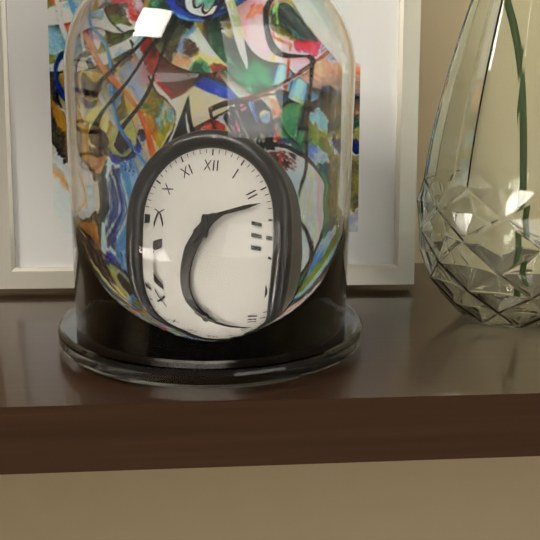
8:12
